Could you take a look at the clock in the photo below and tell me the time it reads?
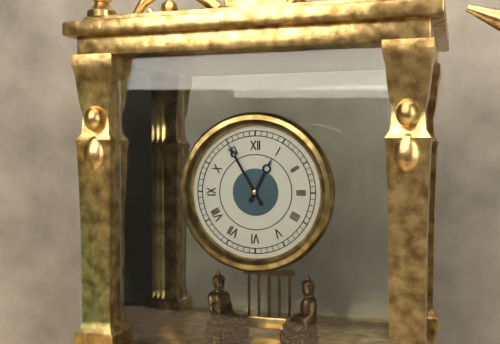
12:55
